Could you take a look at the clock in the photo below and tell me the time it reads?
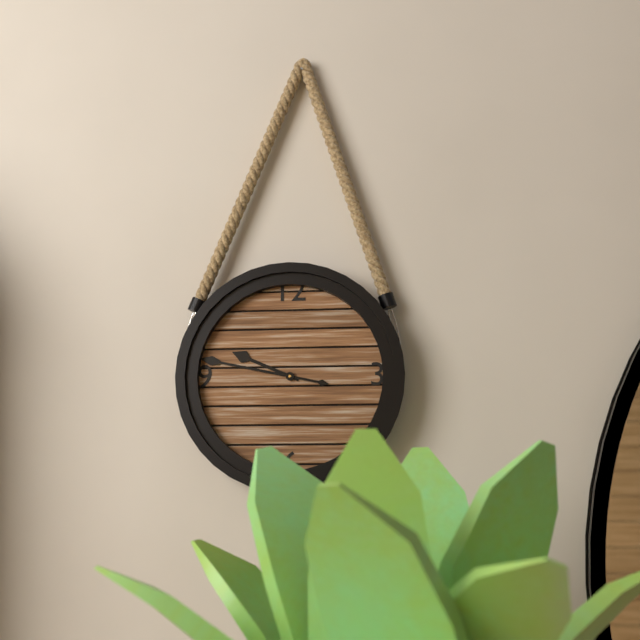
9:47
